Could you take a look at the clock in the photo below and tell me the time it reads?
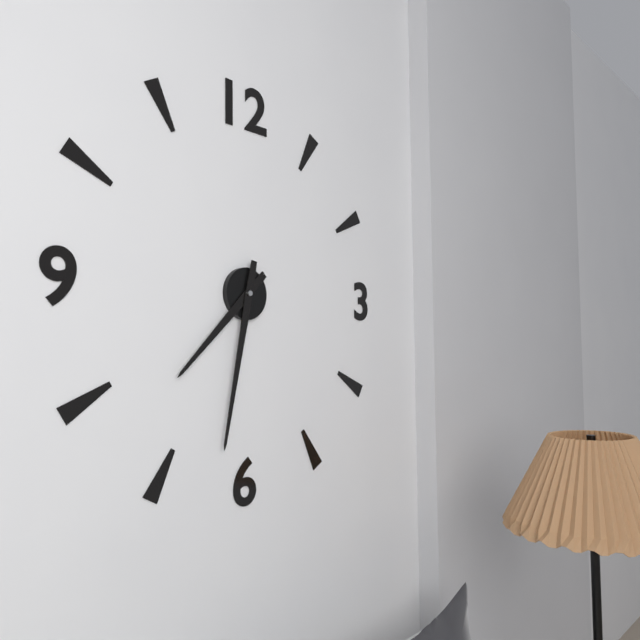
7:32
